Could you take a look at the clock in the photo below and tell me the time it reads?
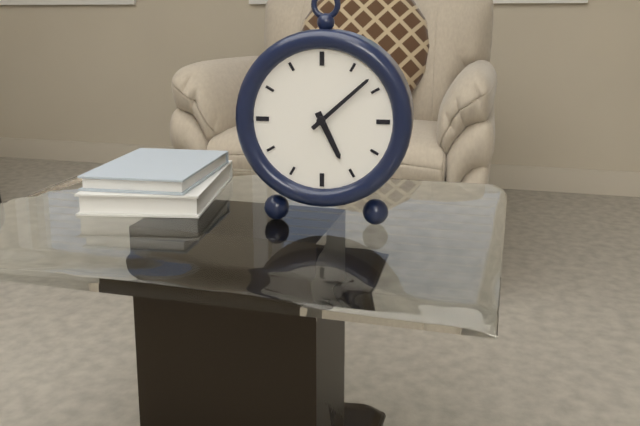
5:08
